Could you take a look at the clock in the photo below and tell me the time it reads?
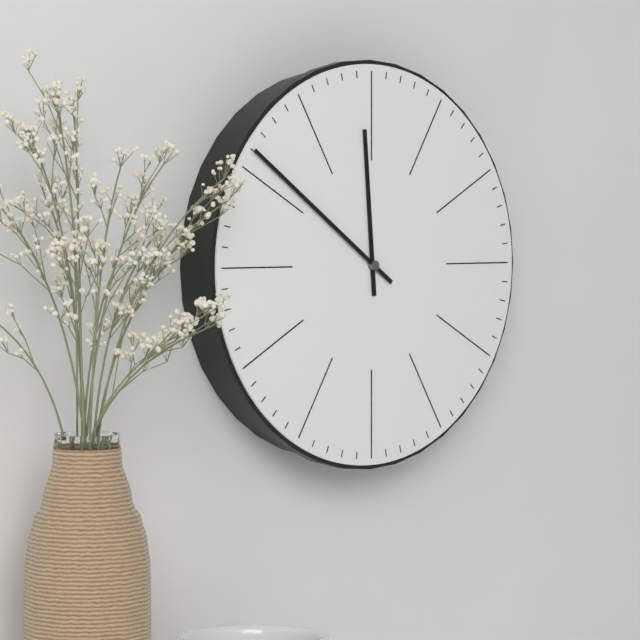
11:51
